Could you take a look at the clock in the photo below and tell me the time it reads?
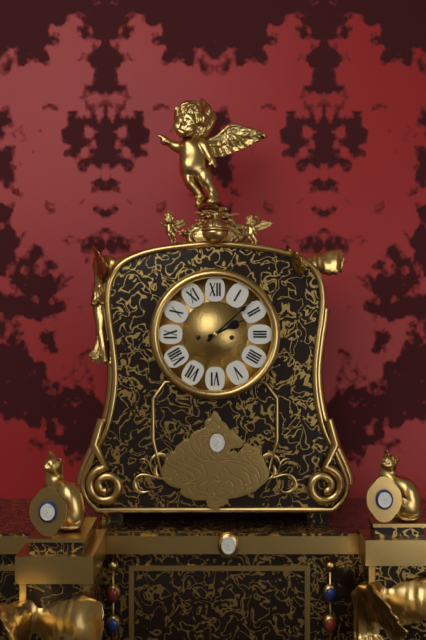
2:08
